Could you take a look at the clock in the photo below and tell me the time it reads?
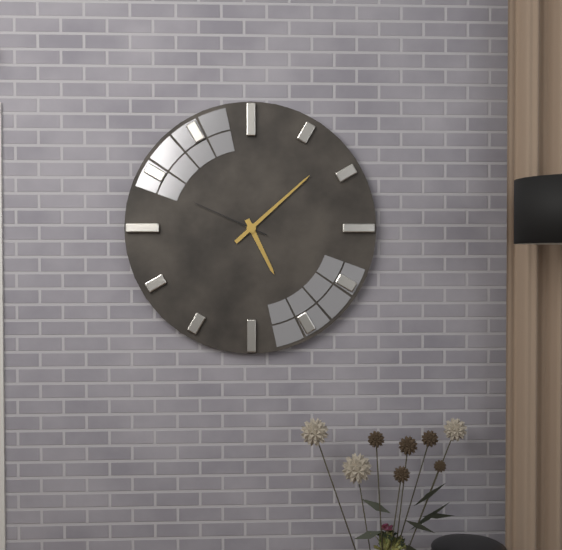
5:08:49
